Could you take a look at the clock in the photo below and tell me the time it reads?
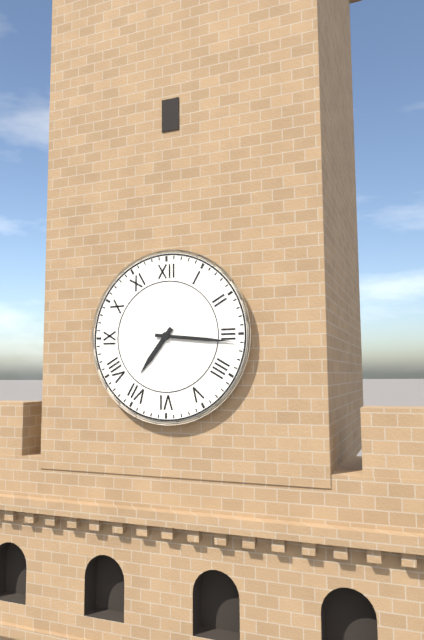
7:16
